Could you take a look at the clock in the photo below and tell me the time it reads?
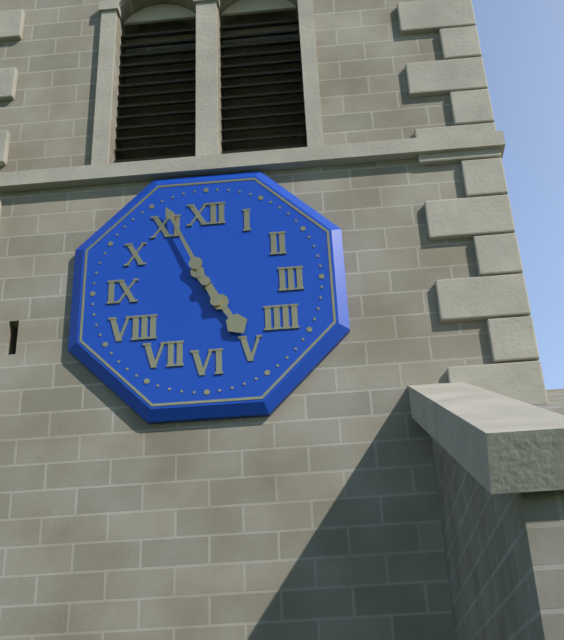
4:56
